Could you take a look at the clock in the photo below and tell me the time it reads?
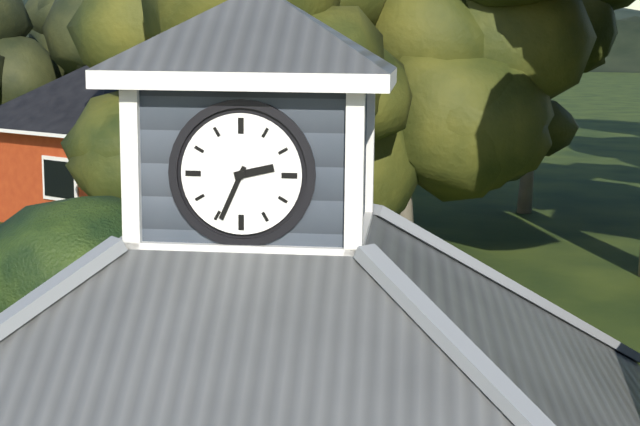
2:34
